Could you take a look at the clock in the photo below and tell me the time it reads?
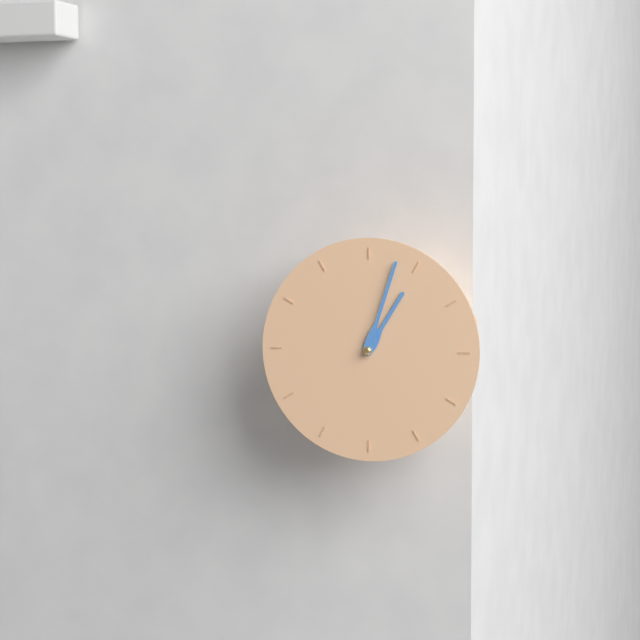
1:03
